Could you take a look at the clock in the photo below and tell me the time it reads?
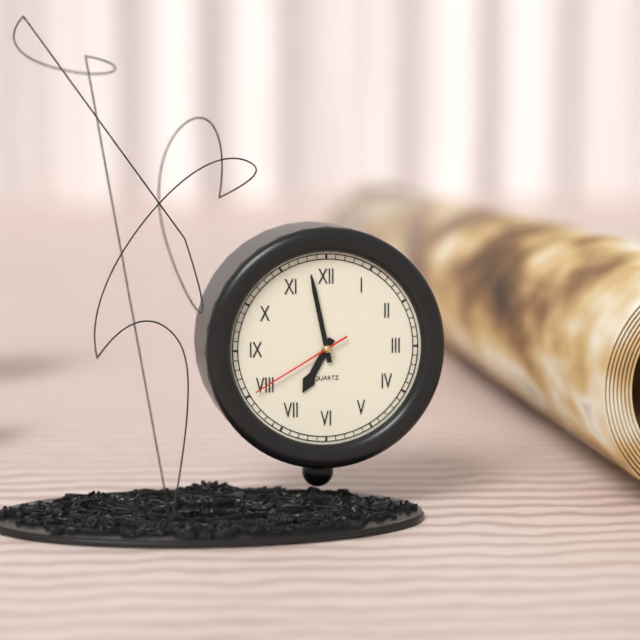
6:58:40
